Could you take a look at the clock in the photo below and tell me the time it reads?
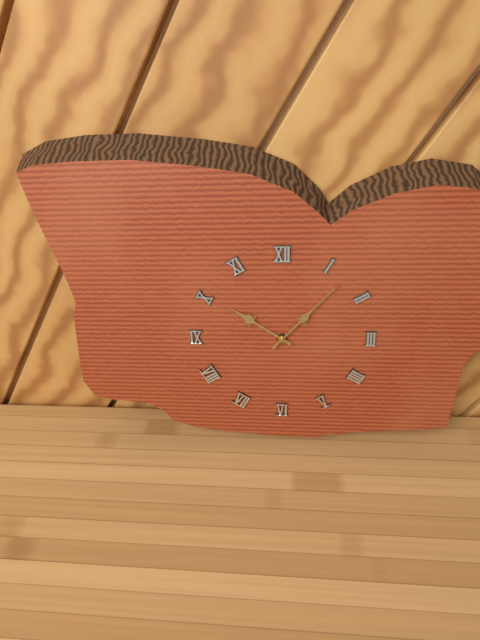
10:07
